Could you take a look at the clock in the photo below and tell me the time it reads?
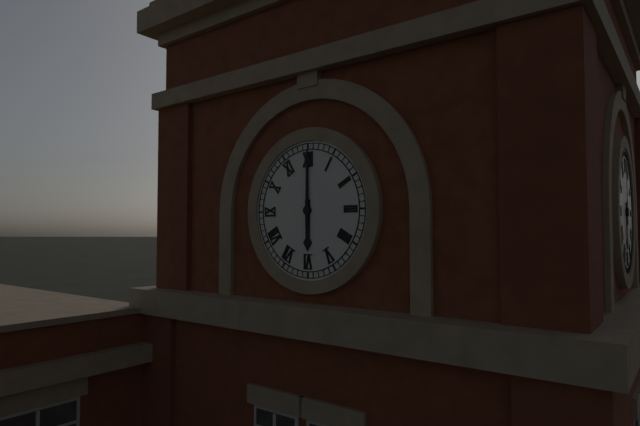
6:00
